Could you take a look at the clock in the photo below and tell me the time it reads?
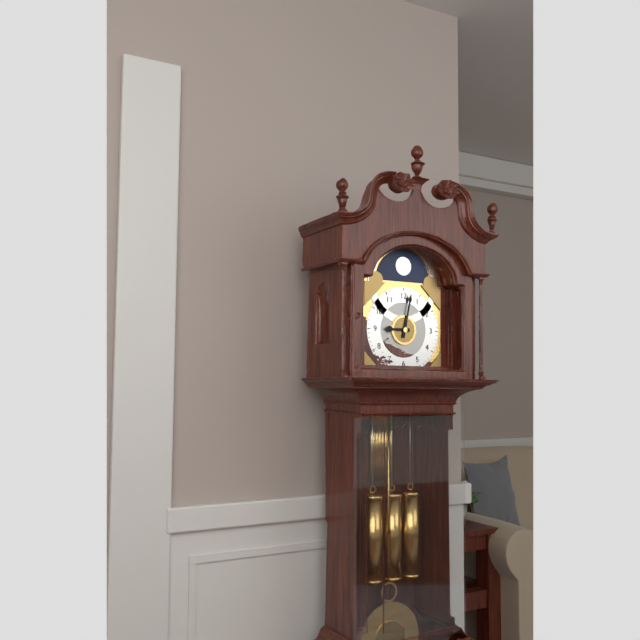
9:02
